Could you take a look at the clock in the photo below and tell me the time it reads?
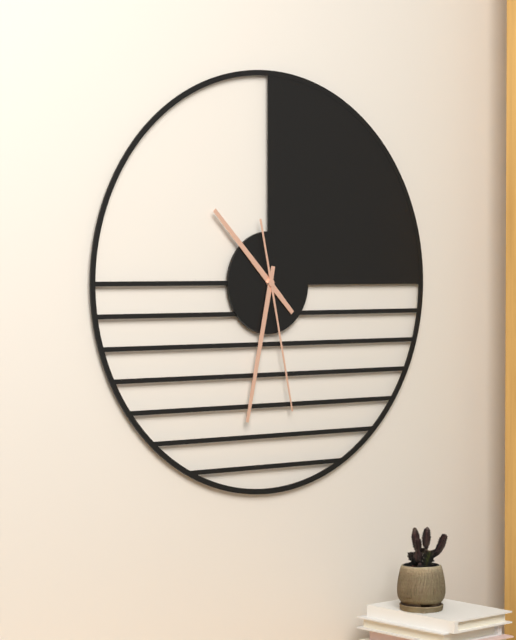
10:32:28
